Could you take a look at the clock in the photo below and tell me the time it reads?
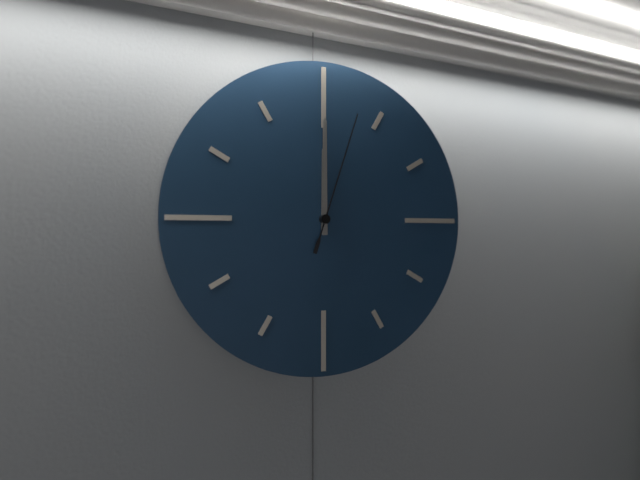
12:00:03
